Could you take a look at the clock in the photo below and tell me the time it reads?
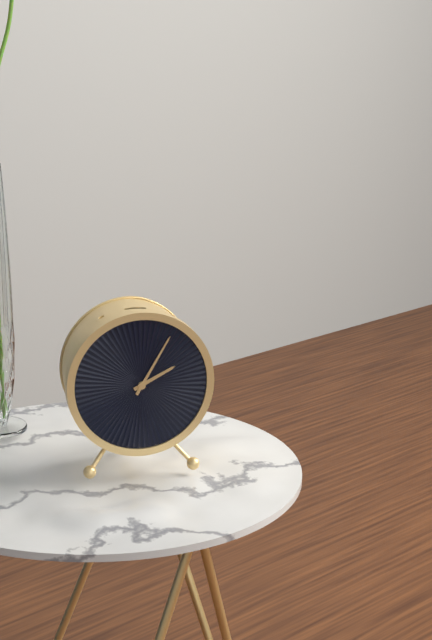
2:05
